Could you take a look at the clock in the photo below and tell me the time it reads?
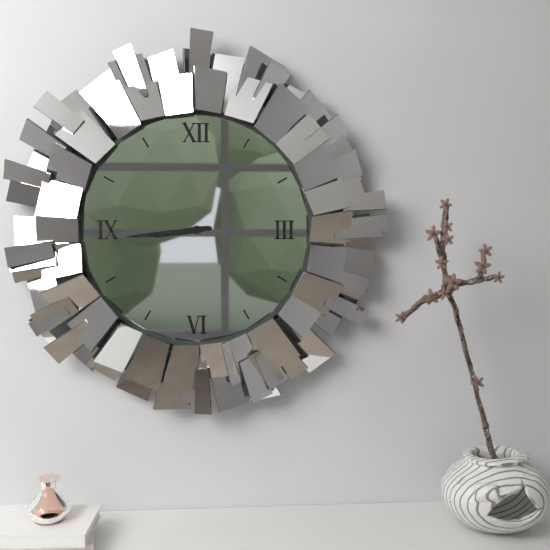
8:44
